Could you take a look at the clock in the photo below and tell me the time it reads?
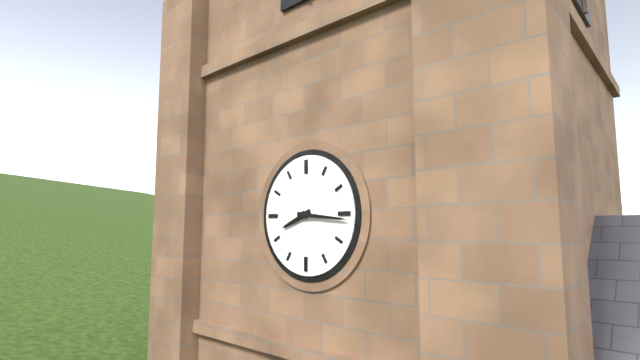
8:16
